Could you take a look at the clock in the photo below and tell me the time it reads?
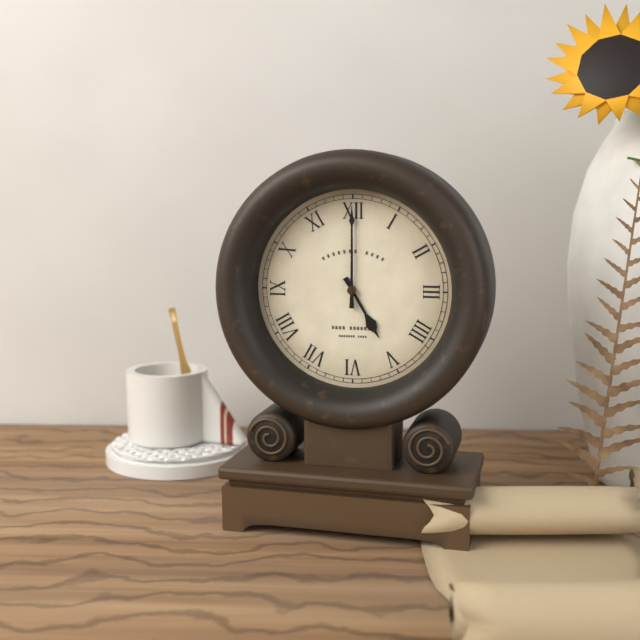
5:00
